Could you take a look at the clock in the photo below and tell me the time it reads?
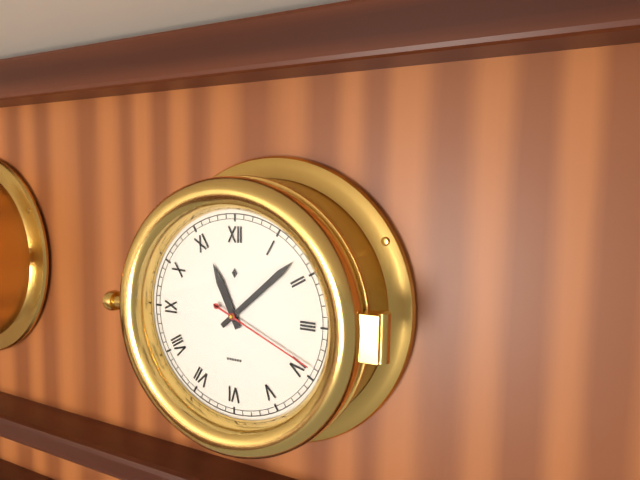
11:08:19
